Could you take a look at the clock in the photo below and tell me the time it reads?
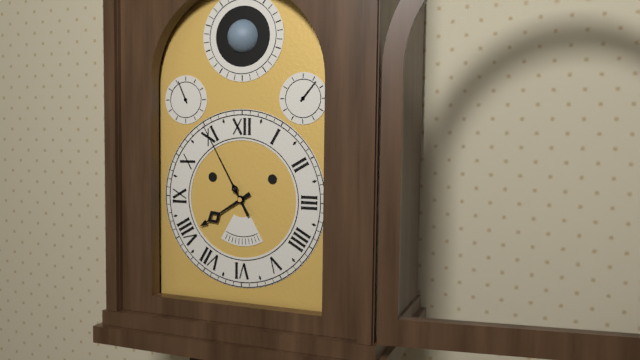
7:55
